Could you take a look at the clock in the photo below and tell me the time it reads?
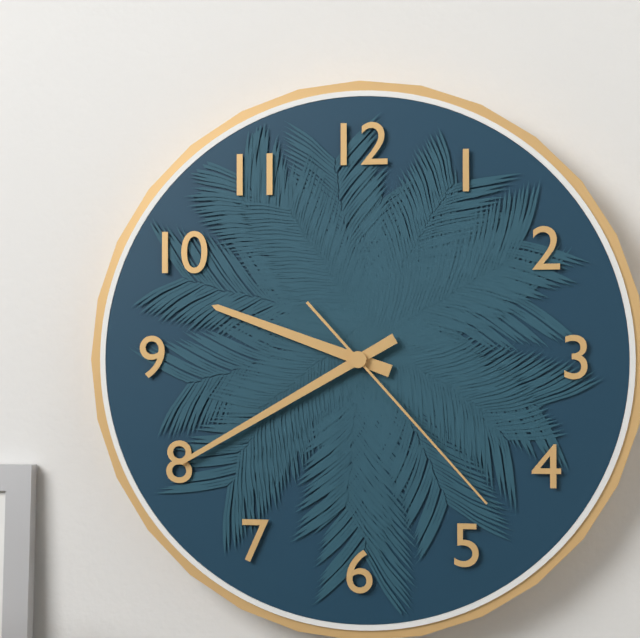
9:40:23
